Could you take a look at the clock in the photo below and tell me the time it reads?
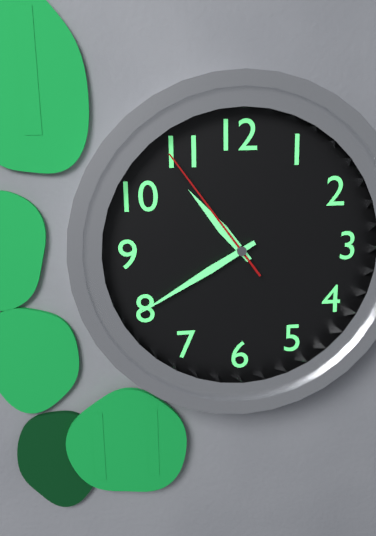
10:40:54
